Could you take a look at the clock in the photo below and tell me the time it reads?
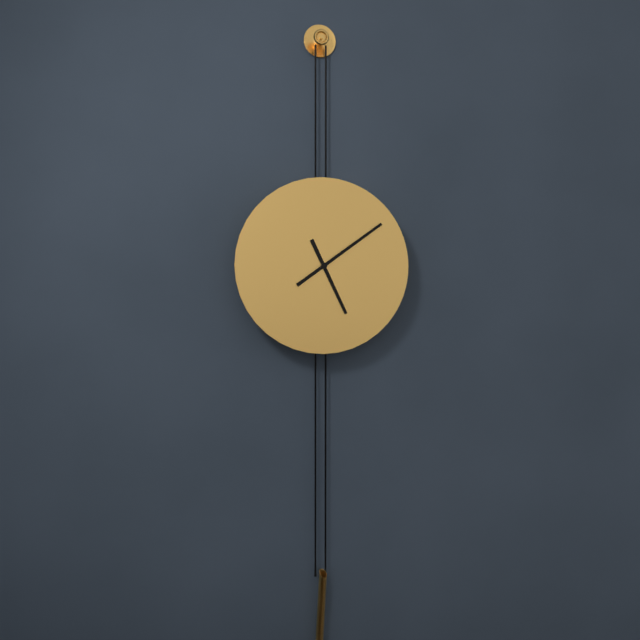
5:09
